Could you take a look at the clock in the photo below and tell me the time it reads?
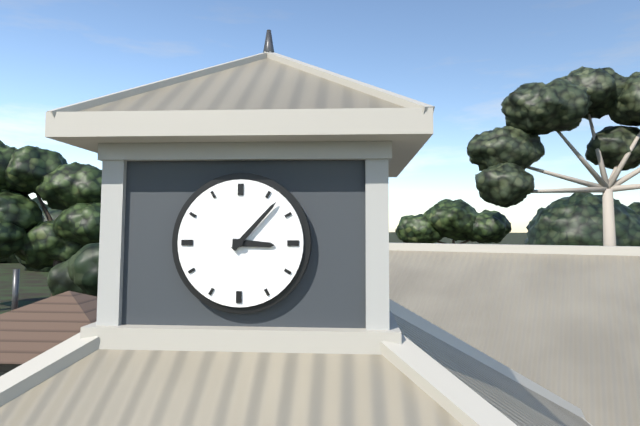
3:07
